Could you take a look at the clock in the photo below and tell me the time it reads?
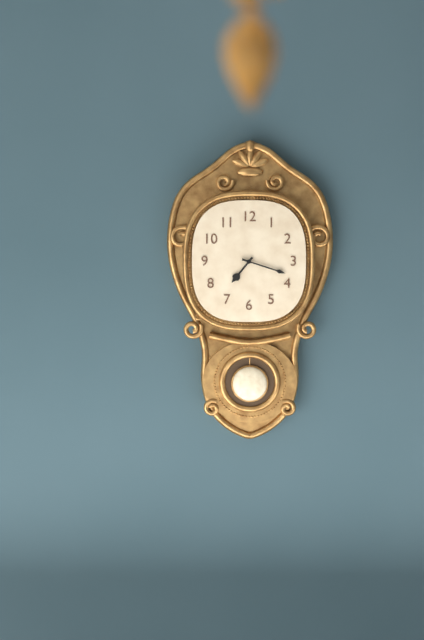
7:18
